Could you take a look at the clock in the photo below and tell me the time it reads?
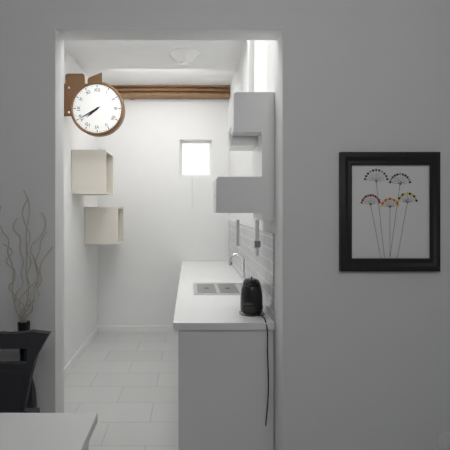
7:40
